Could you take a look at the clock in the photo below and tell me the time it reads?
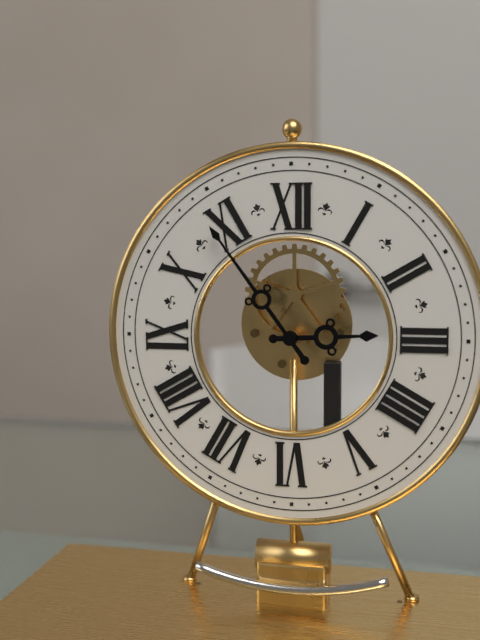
2:54
